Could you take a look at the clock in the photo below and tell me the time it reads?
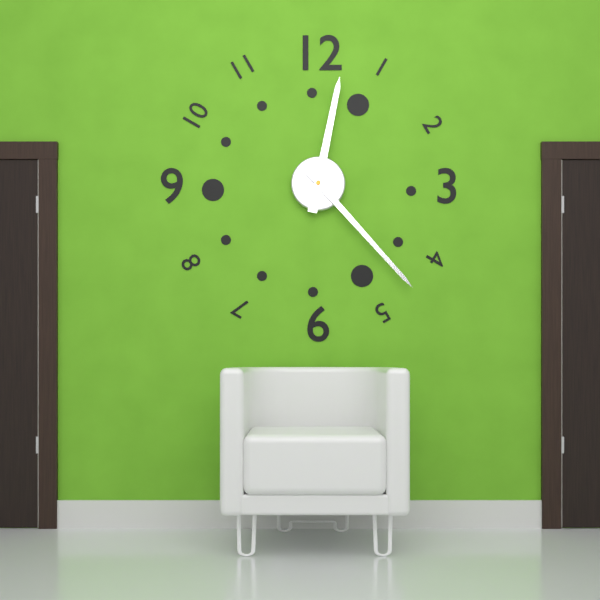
12:23
